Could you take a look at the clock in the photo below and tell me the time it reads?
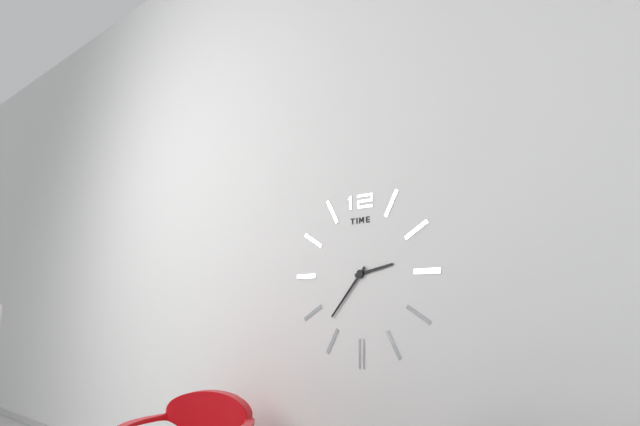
2:37
